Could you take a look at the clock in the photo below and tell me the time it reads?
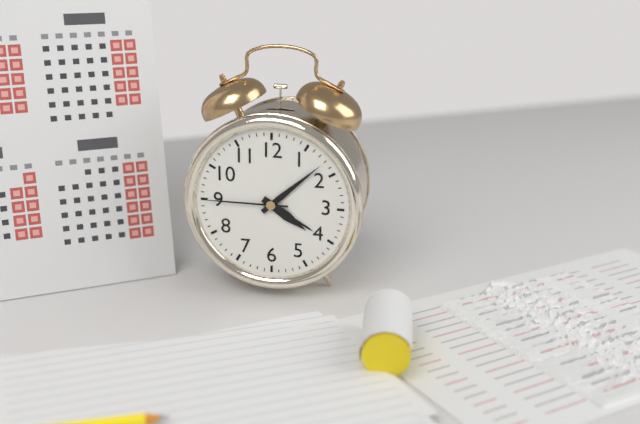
4:08:45
